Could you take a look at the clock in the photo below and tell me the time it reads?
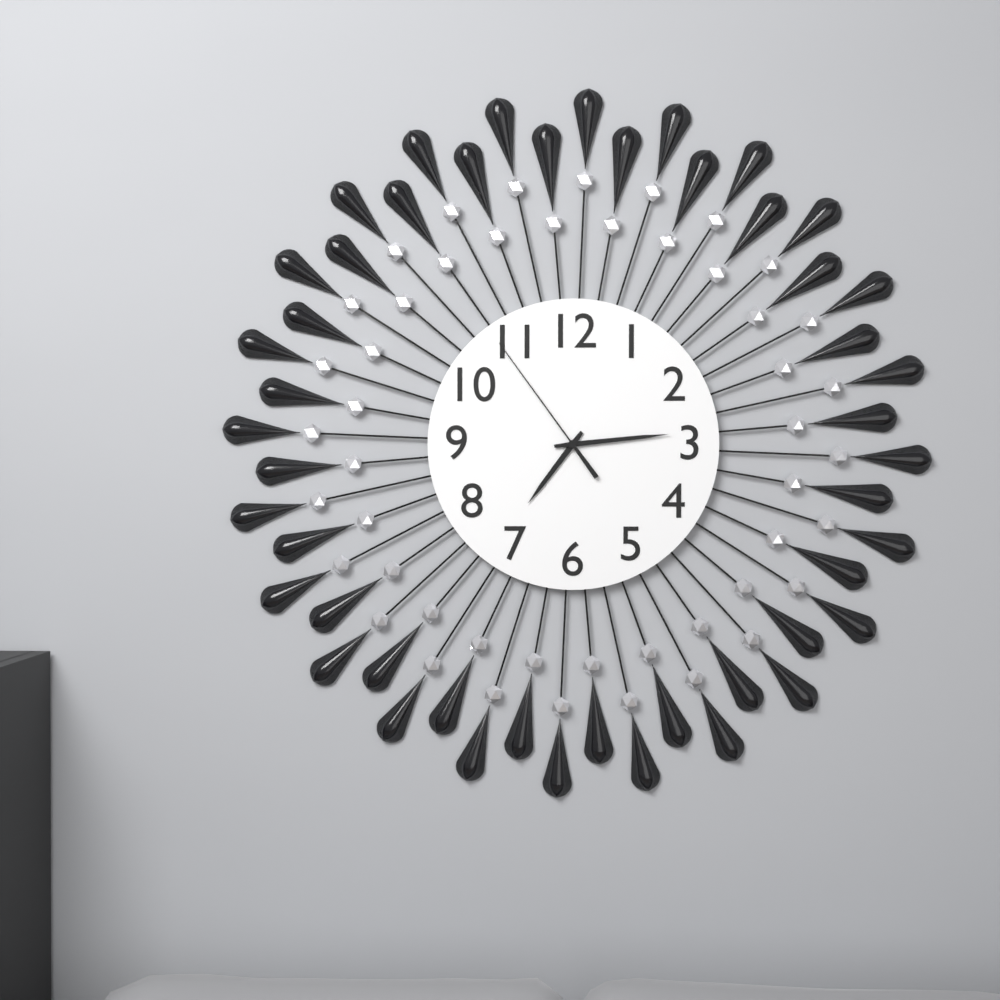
7:14:54
